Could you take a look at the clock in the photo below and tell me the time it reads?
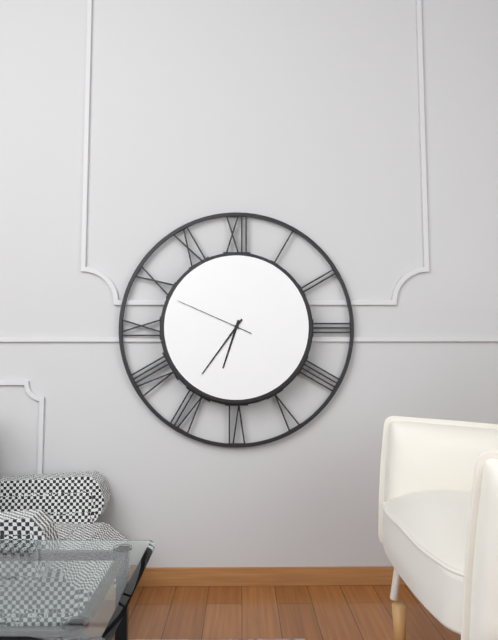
6:36:49
